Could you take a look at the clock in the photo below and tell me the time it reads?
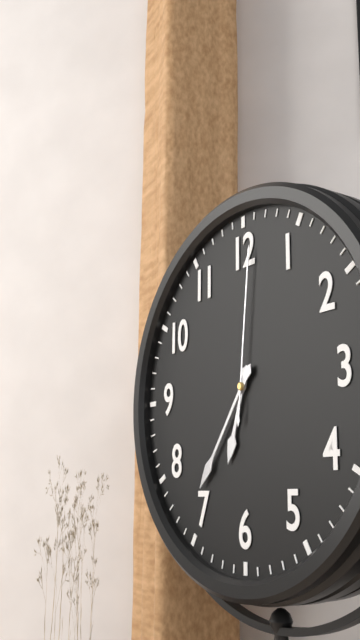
6:36:01
